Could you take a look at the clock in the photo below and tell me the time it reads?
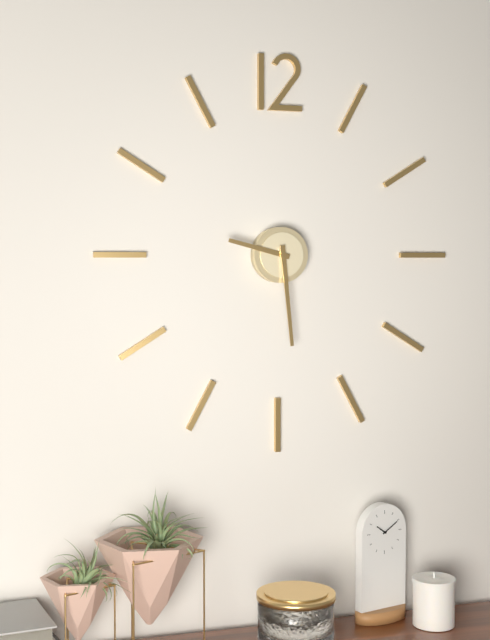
9:29
